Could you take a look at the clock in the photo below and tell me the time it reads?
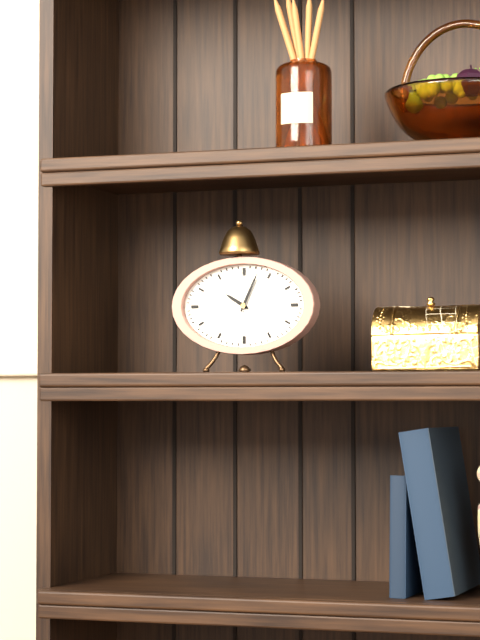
10:04
